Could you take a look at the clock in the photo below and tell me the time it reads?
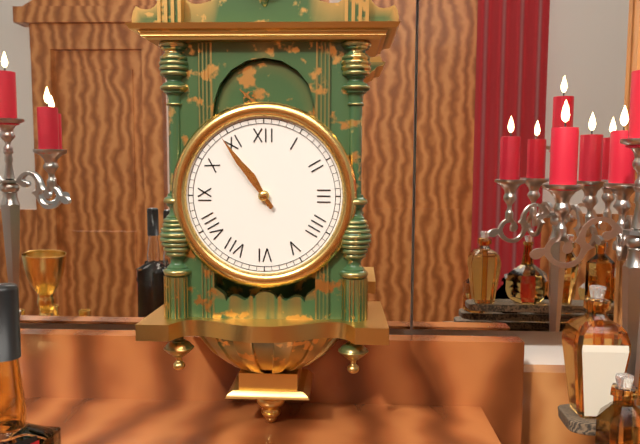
10:54
